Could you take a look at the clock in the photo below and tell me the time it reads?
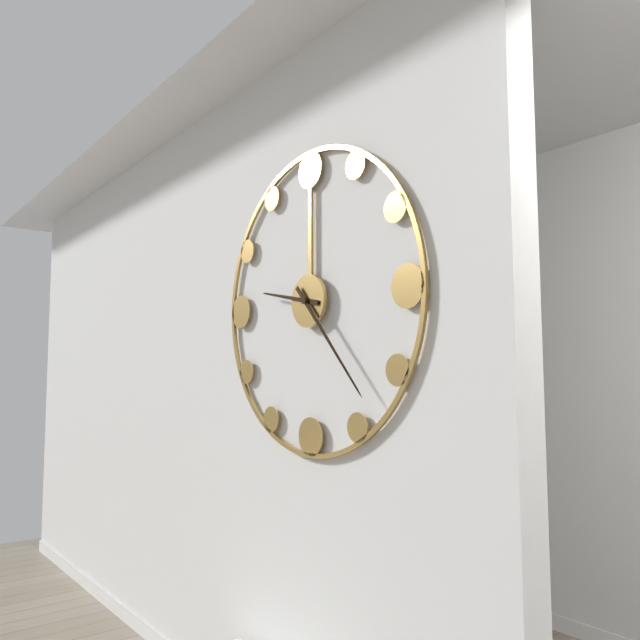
9:23
